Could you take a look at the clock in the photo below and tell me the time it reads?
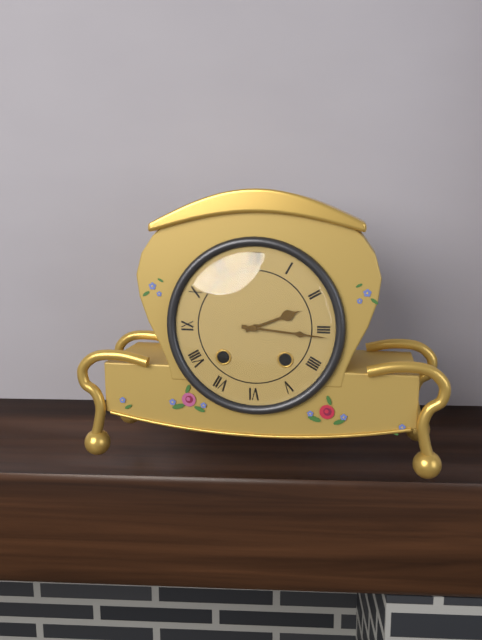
2:16
